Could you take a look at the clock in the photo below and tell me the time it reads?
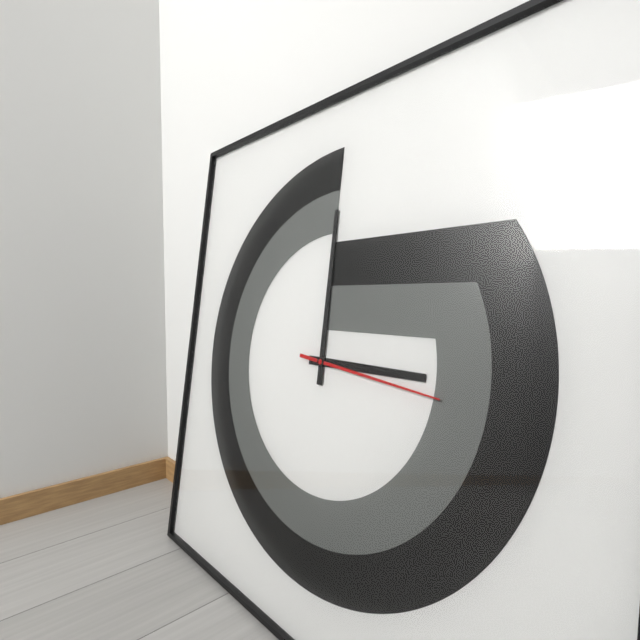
3:00:16
